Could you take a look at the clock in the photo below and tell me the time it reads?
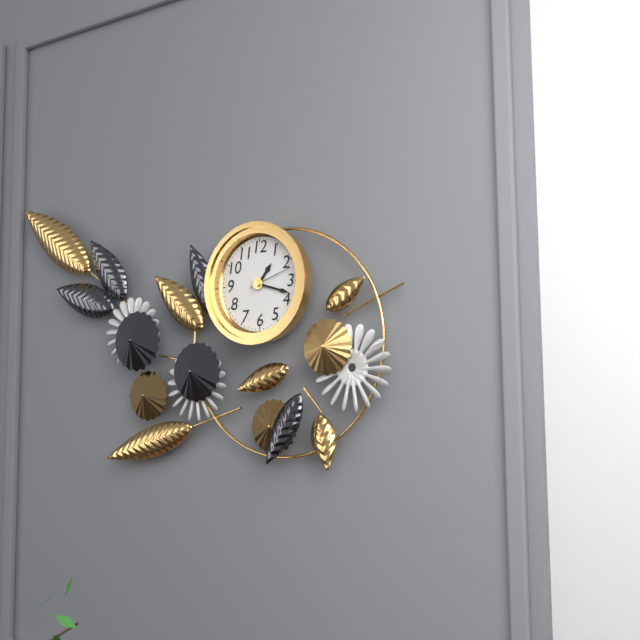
1:18
